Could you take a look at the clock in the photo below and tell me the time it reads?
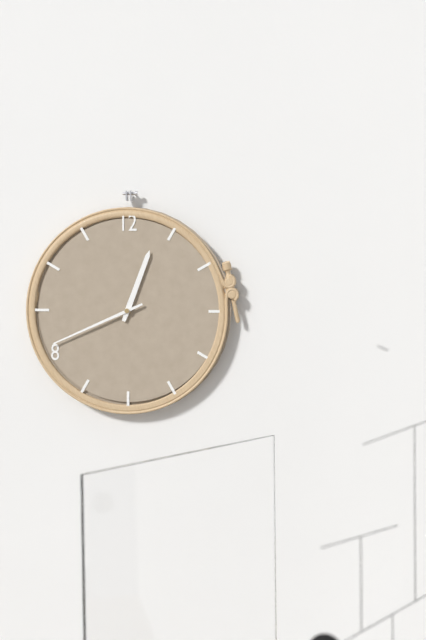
12:41
